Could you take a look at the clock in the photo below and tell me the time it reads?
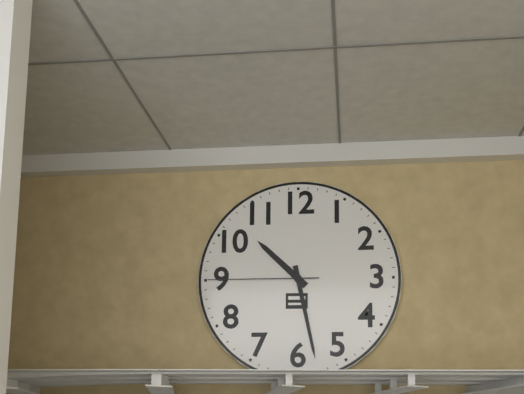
10:28:45
